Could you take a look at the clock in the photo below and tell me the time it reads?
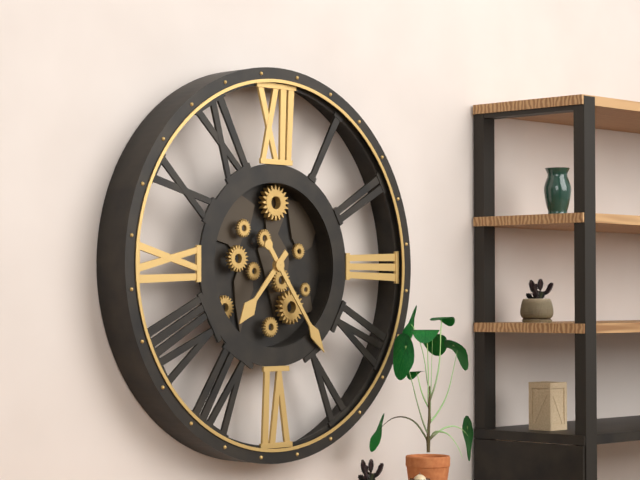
7:24
